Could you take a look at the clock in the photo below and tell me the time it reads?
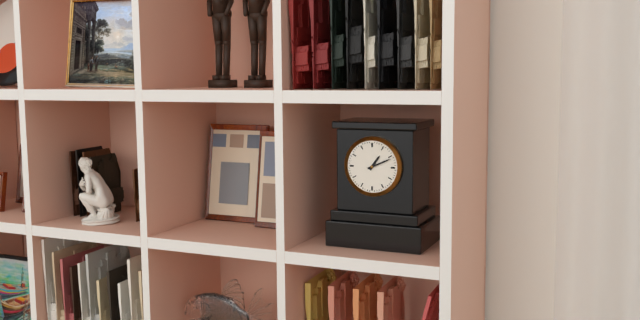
1:11
